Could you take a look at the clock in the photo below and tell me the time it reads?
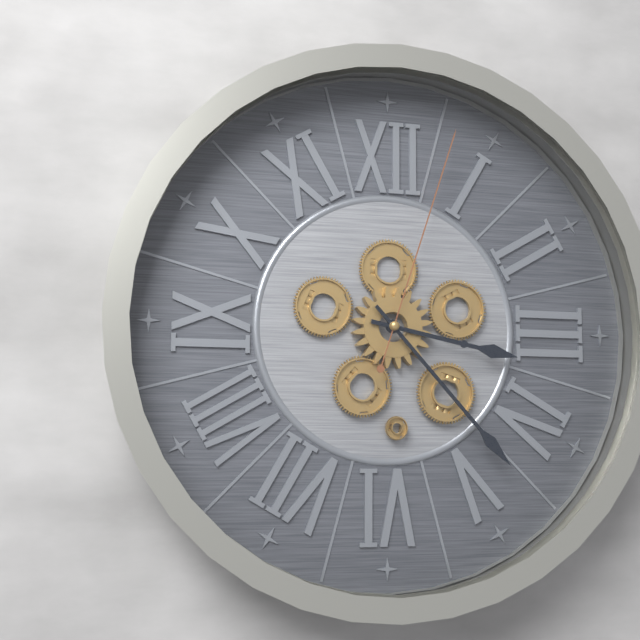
3:23:03
